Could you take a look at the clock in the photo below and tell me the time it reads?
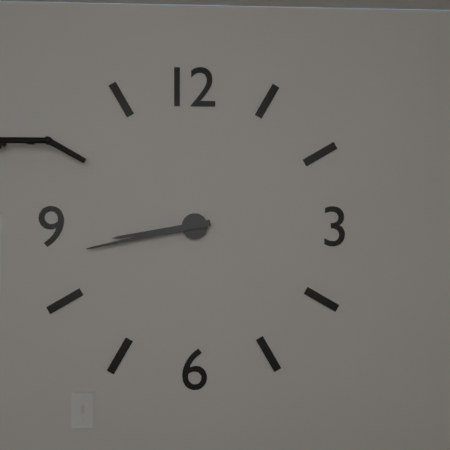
8:43
